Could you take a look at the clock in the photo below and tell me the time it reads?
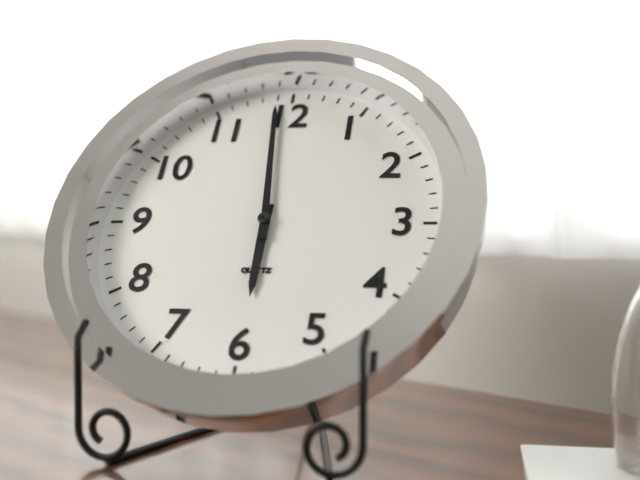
5:59
